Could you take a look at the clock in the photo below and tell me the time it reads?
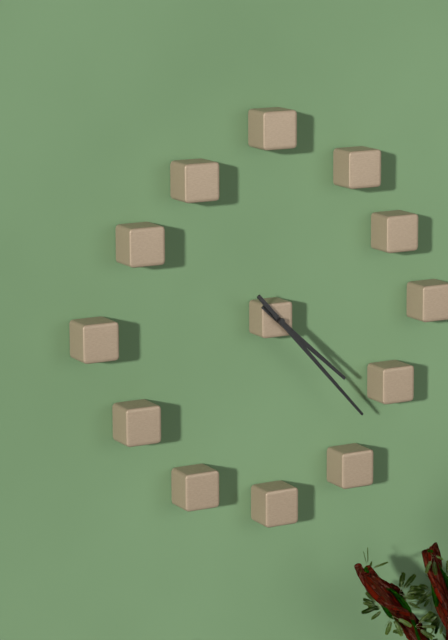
4:23
